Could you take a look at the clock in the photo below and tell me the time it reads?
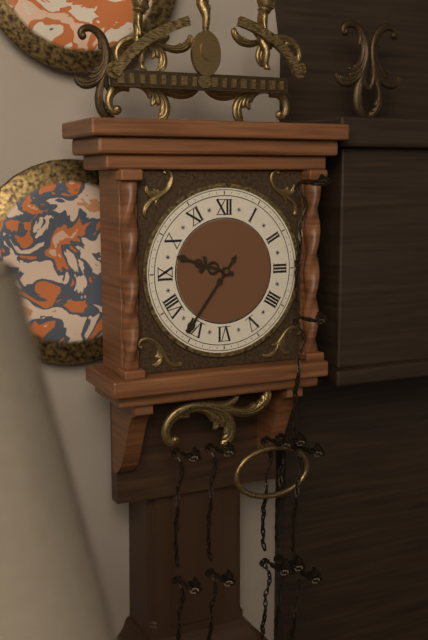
9:36
